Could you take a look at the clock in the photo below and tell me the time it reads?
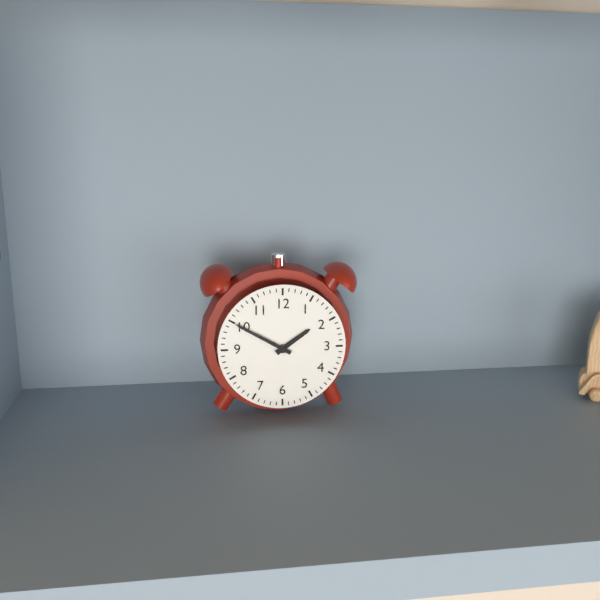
1:50
